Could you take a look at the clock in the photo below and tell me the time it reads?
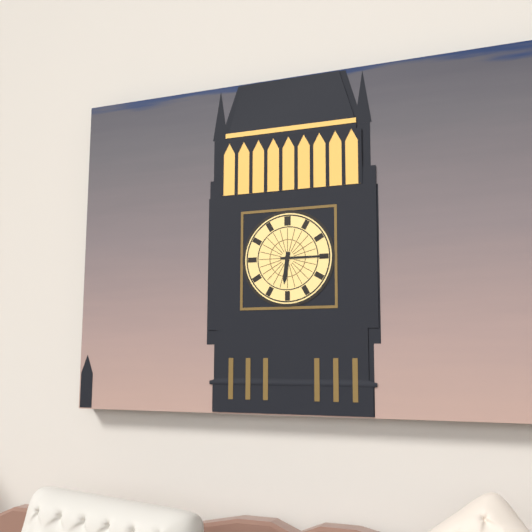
6:15
